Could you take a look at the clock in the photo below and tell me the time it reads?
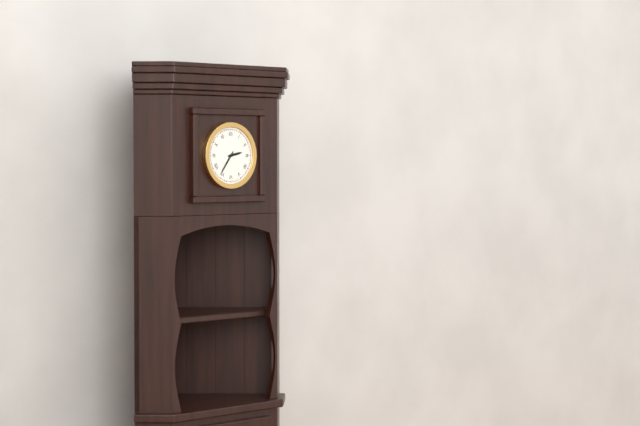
2:36
